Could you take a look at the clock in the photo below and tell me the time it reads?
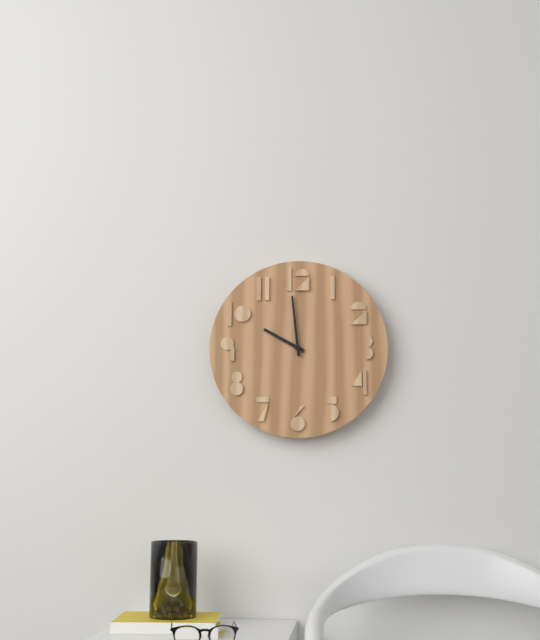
9:59
